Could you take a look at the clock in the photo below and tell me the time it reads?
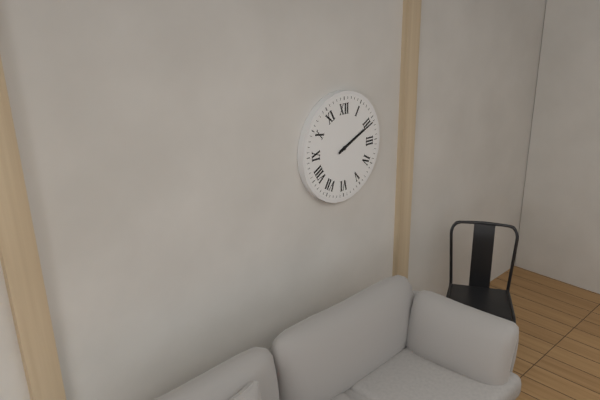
2:11
